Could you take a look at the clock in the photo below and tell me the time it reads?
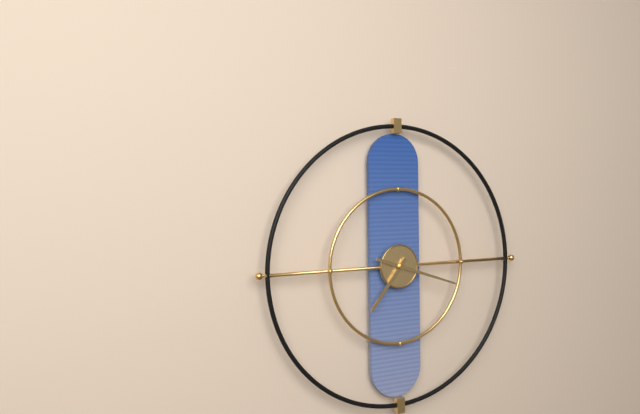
7:18
